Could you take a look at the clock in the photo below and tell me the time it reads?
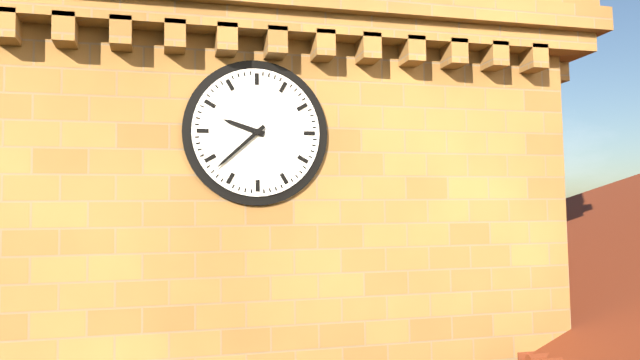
9:38
